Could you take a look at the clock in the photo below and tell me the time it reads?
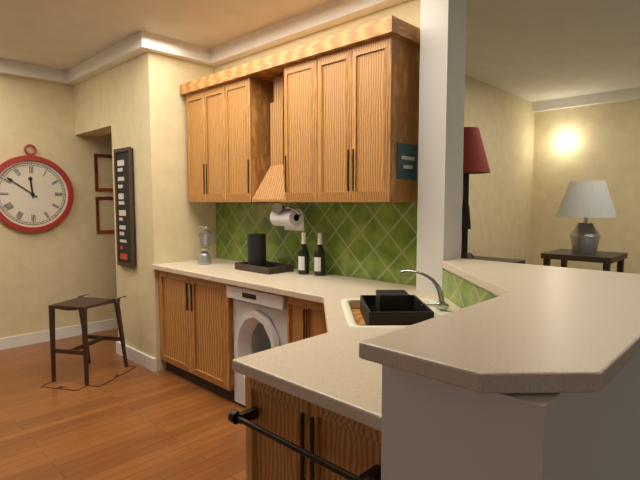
11:51
